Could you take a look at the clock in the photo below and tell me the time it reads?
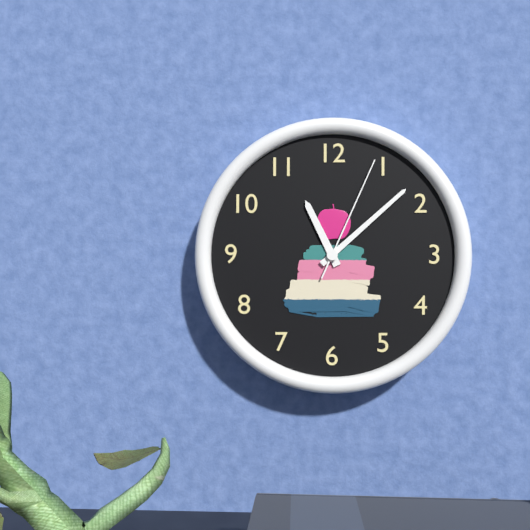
11:08:04
